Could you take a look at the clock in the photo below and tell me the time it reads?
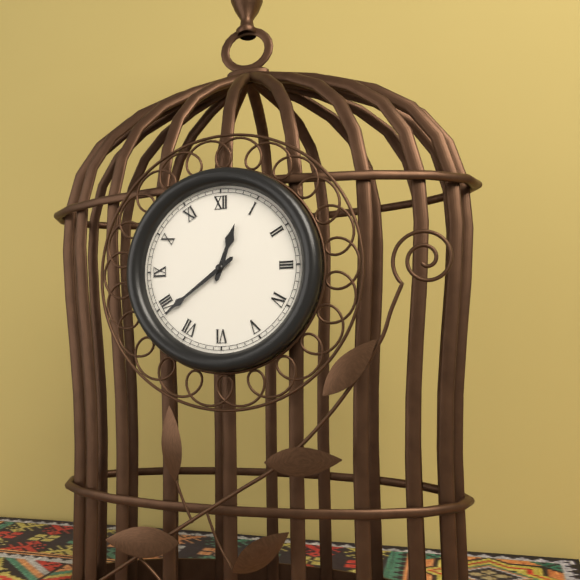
12:39
